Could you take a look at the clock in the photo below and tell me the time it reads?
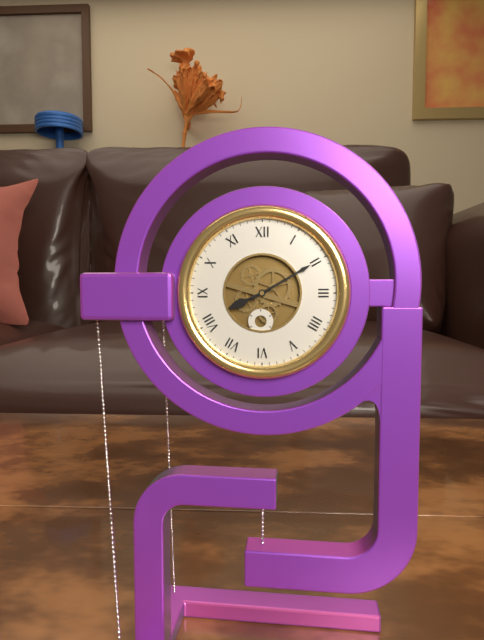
8:10
